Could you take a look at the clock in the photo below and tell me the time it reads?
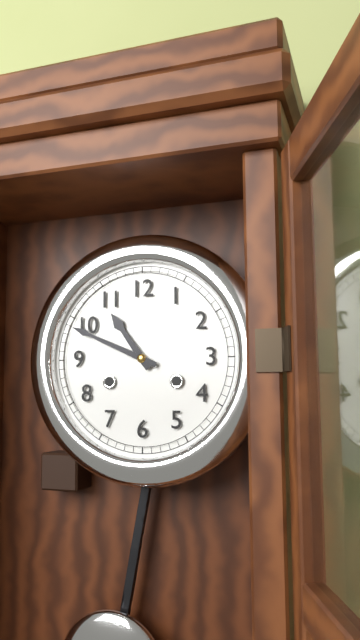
10:49
